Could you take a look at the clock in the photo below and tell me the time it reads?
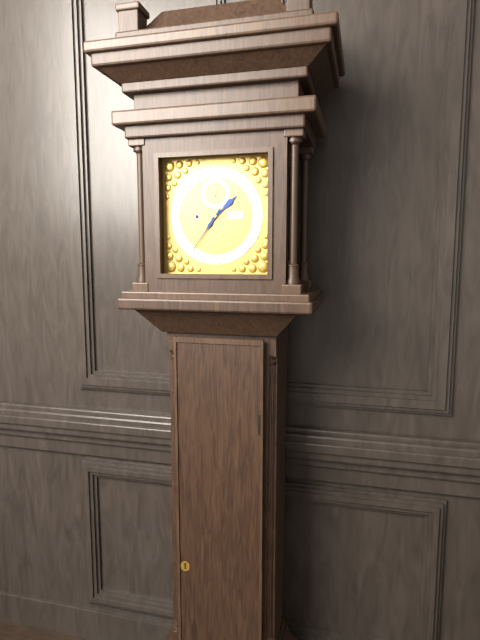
1:36
